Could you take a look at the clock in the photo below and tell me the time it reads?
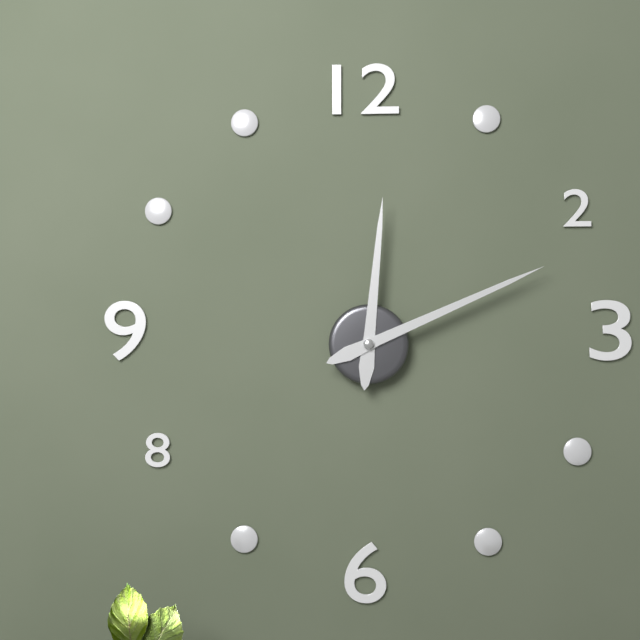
12:11
